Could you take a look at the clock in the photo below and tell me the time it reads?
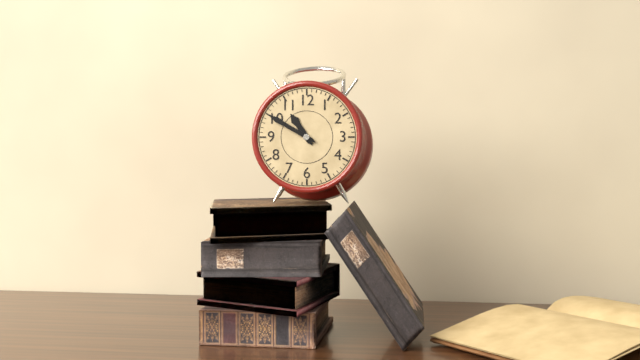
10:50
